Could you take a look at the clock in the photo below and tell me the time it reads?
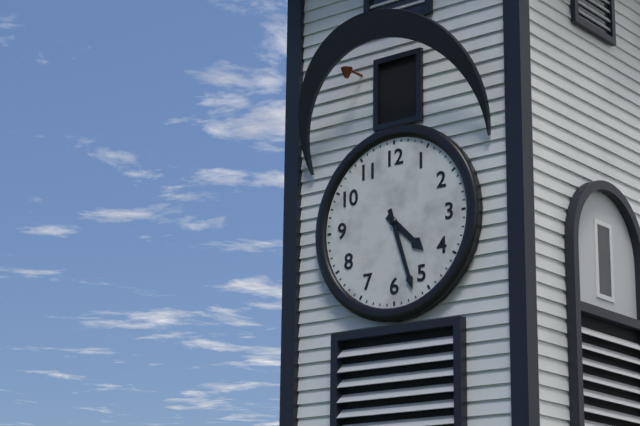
4:27
